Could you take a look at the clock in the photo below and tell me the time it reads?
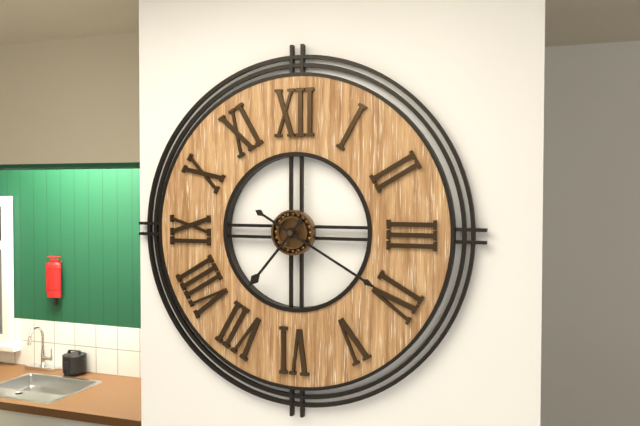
7:20
